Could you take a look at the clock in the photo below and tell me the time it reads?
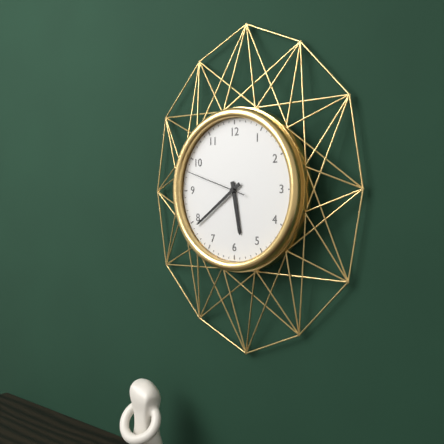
5:39:48
